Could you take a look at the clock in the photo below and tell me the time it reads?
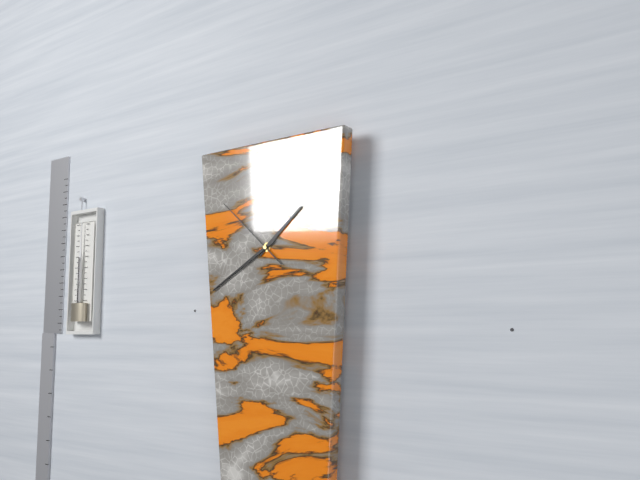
1:40:52
